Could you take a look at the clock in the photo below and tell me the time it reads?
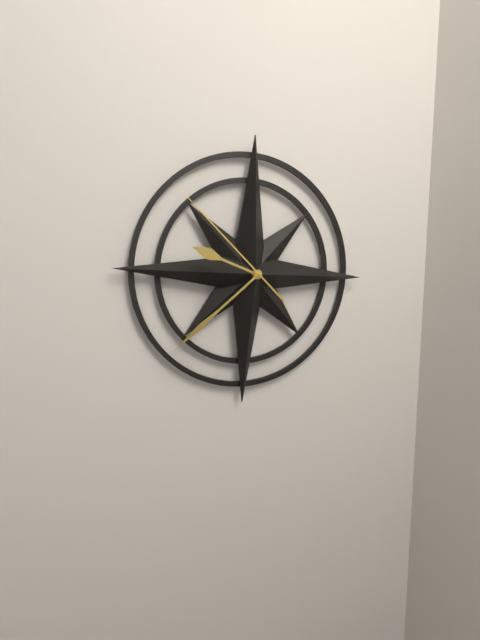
9:38:52
